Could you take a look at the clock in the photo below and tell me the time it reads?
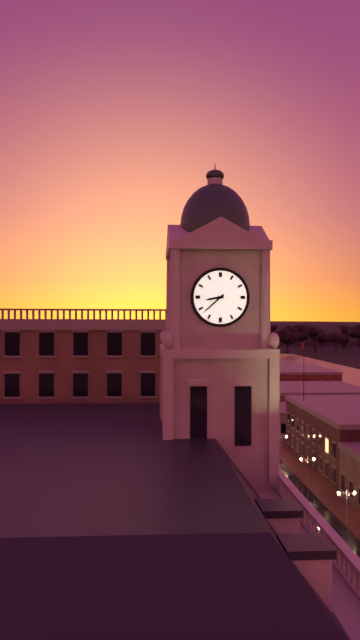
8:38
